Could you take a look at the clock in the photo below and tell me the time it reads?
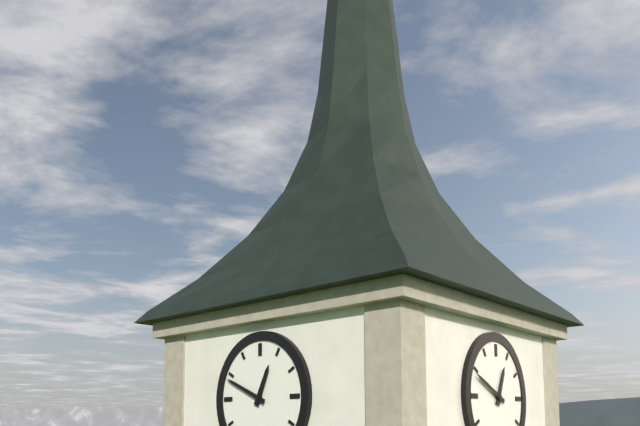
12:49
